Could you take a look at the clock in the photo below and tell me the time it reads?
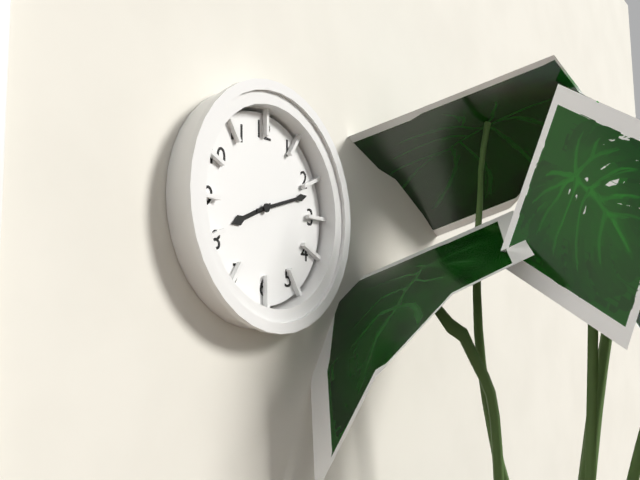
8:12
